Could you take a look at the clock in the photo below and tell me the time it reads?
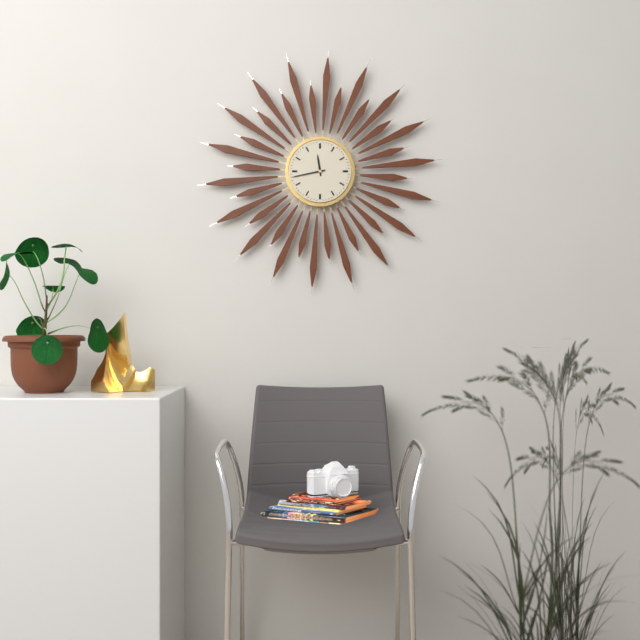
11:43
